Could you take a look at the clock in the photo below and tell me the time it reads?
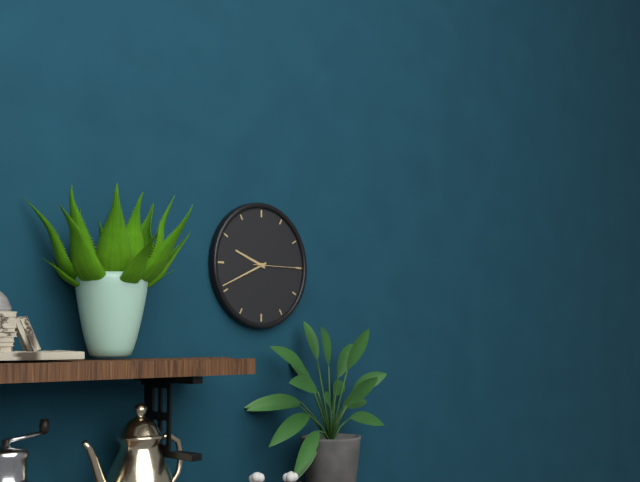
9:41:15
